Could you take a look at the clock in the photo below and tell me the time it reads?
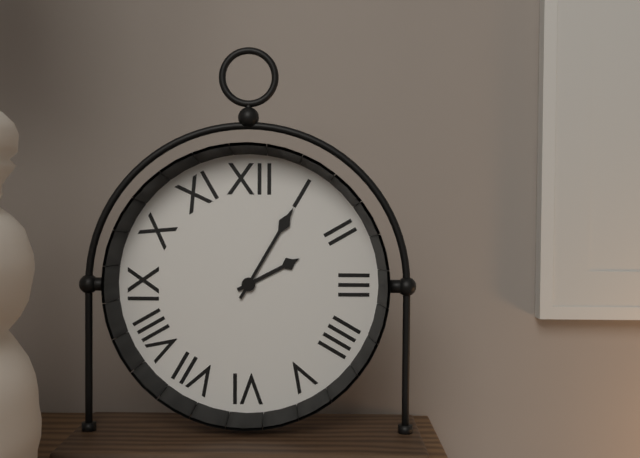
2:05
